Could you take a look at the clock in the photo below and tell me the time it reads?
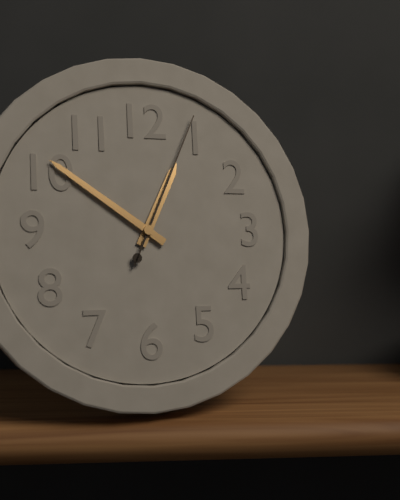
12:51:04
